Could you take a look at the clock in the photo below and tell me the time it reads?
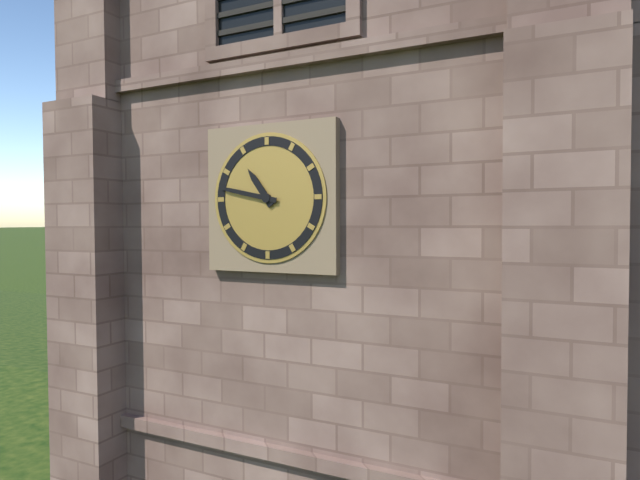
10:47
